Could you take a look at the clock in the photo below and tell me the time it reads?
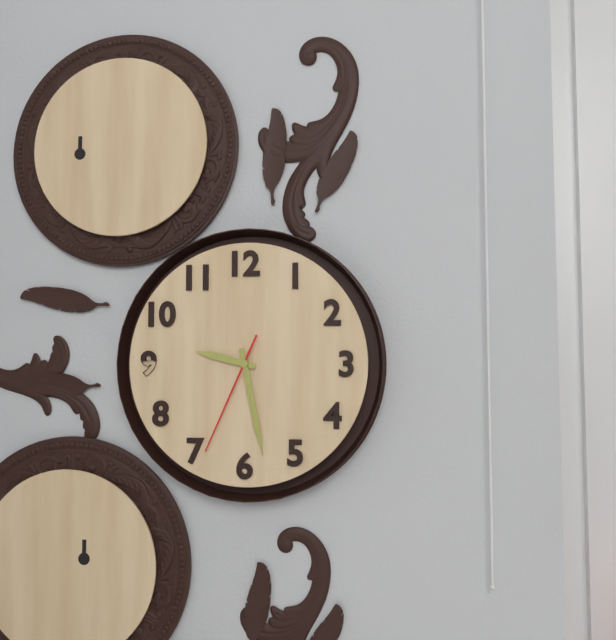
9:28:34
